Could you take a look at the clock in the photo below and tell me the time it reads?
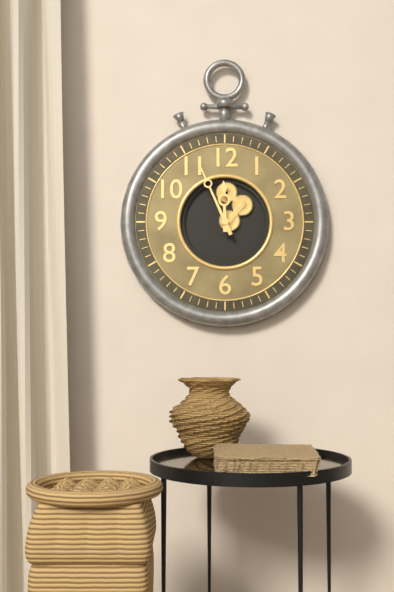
11:56
